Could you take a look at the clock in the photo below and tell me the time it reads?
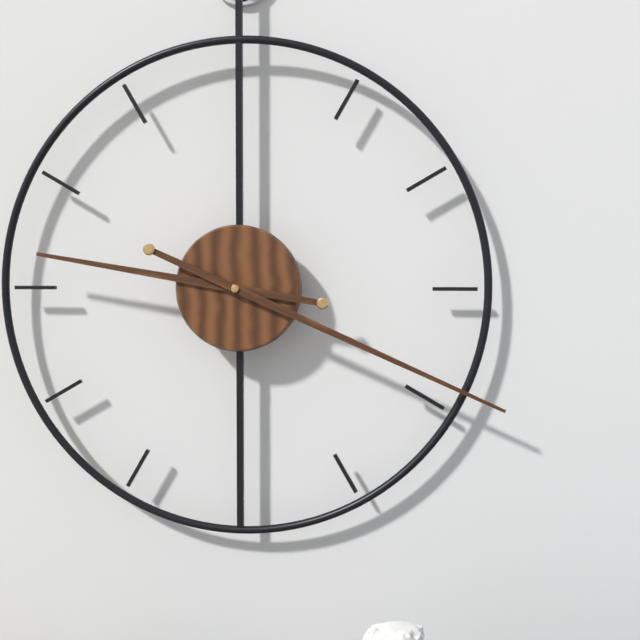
9:19
